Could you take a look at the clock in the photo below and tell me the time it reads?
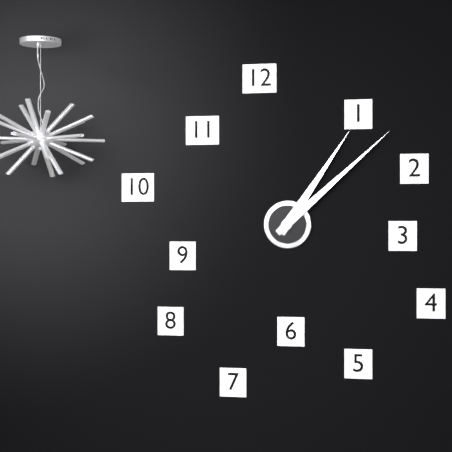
1:08
